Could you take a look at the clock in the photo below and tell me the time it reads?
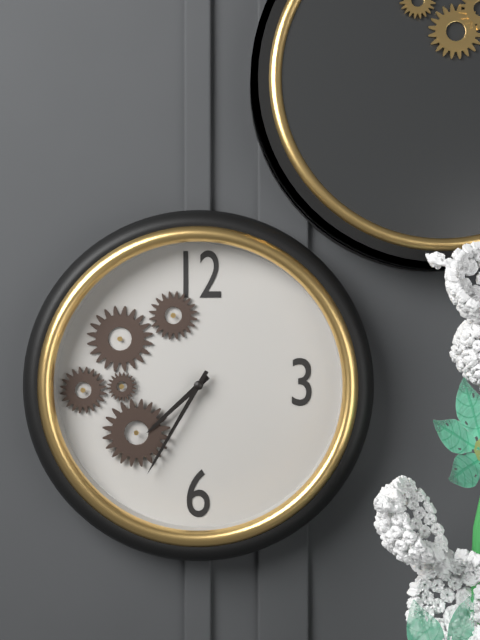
7:35
